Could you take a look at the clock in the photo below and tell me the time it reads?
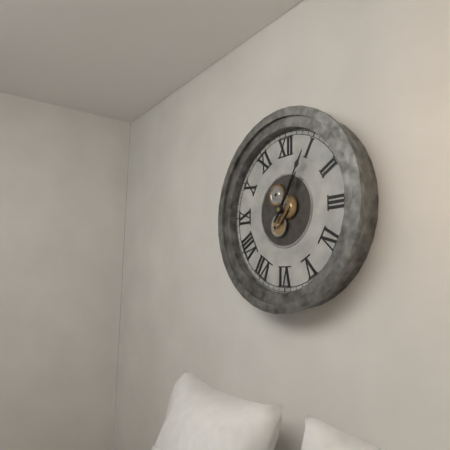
1:05
